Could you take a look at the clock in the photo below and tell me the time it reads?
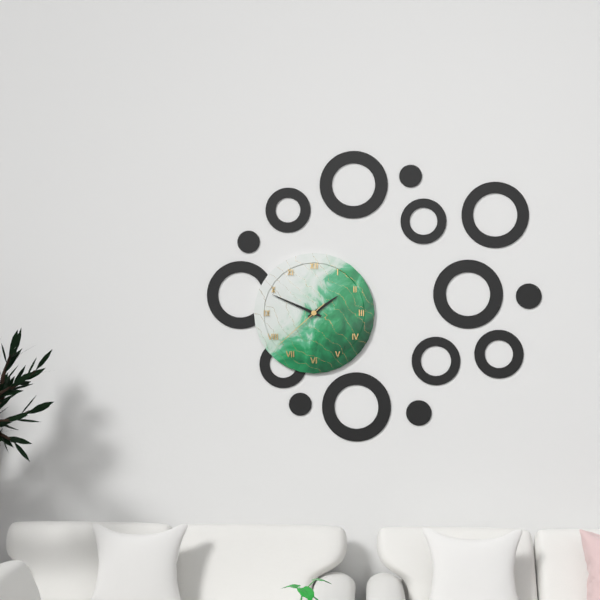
1:49:38
